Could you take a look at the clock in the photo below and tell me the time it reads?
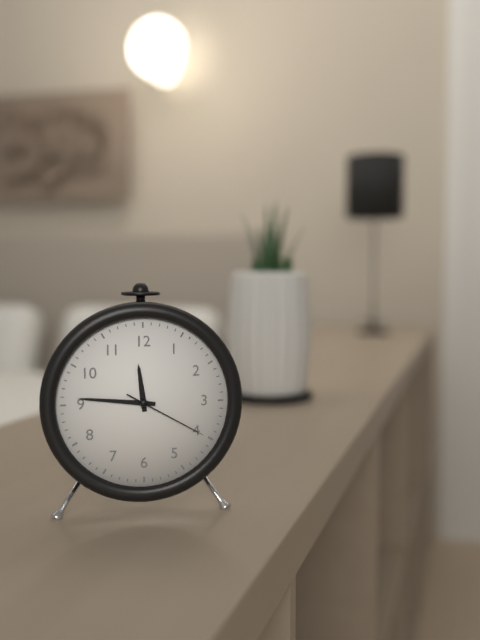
11:46:20
